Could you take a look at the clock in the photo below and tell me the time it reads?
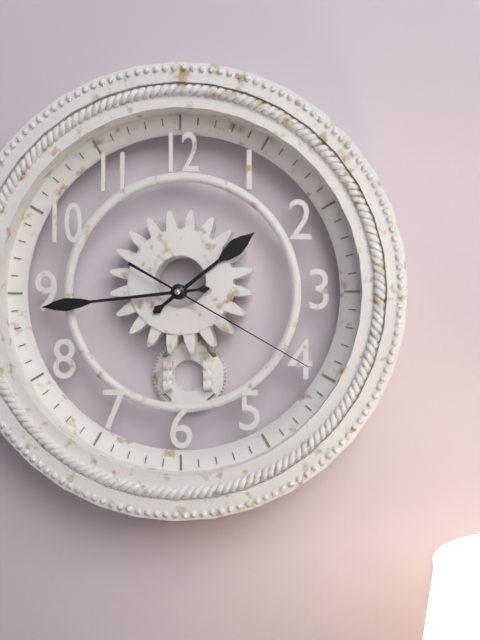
1:44:20
